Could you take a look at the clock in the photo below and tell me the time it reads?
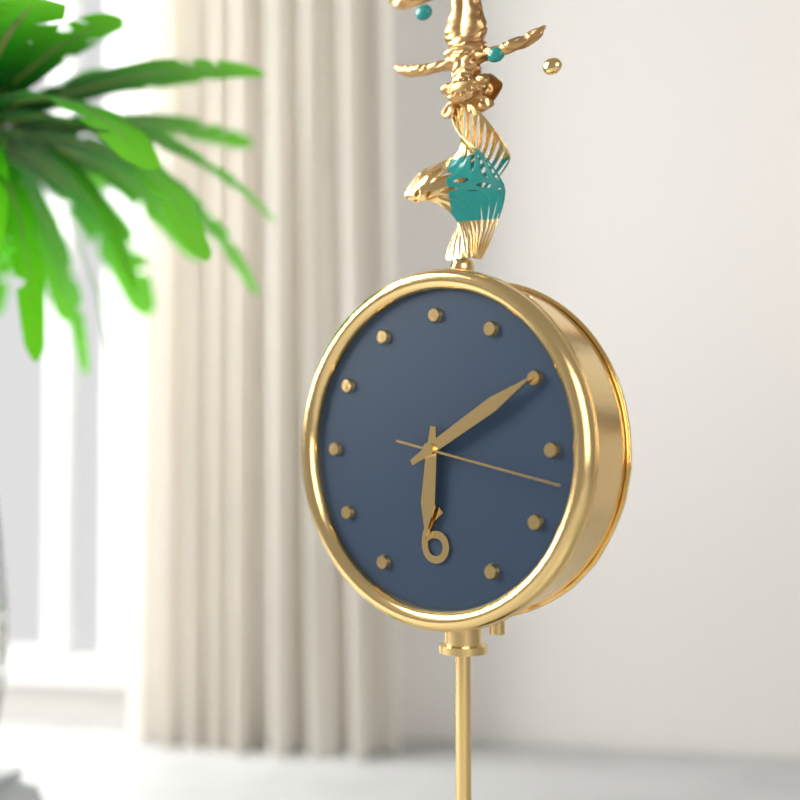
6:10:17
